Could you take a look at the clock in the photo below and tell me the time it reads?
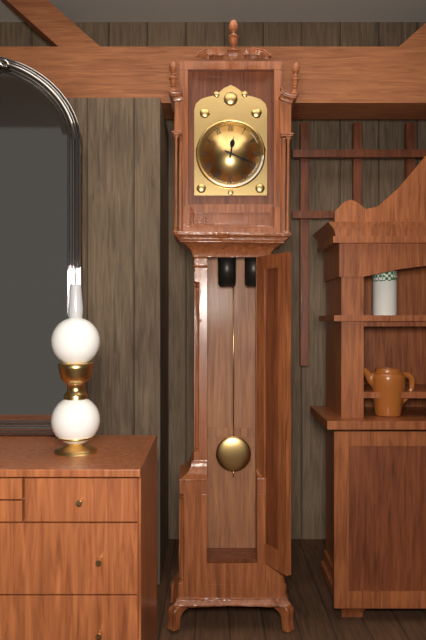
12:19
